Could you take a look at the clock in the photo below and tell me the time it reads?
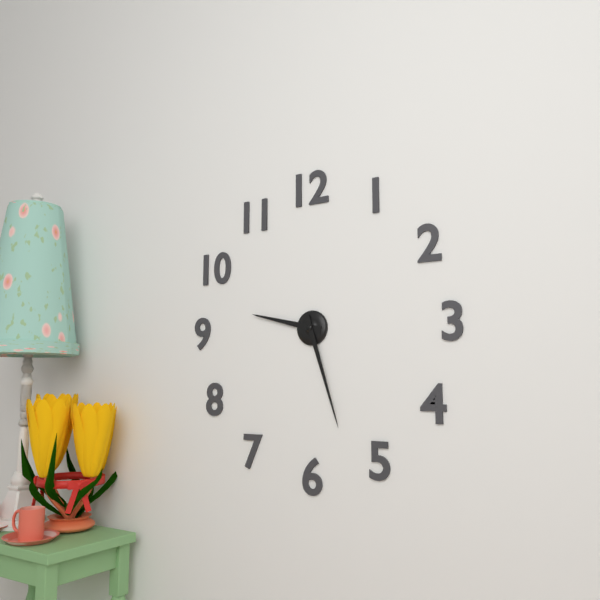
9:27
